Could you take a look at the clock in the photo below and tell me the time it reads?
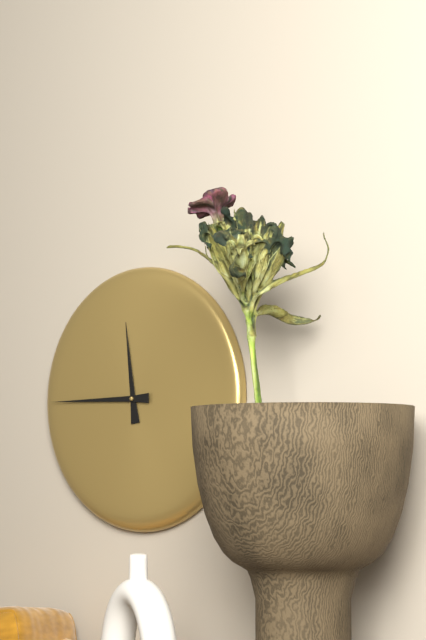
11:45
